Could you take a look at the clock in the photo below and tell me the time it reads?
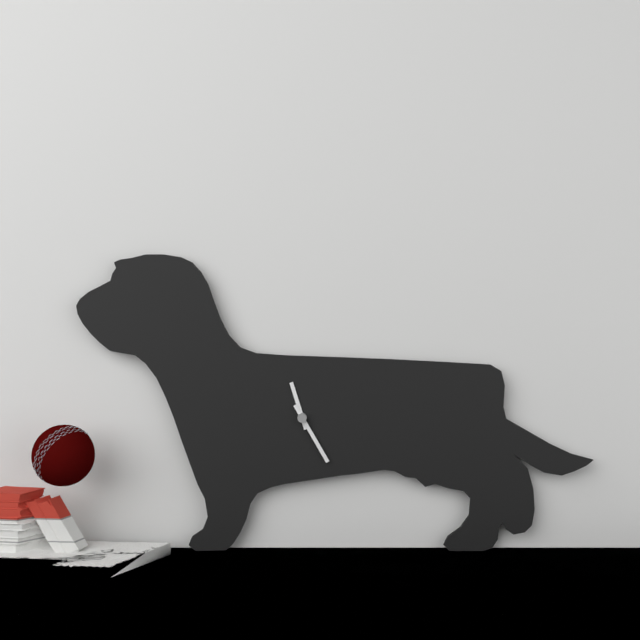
11:25
